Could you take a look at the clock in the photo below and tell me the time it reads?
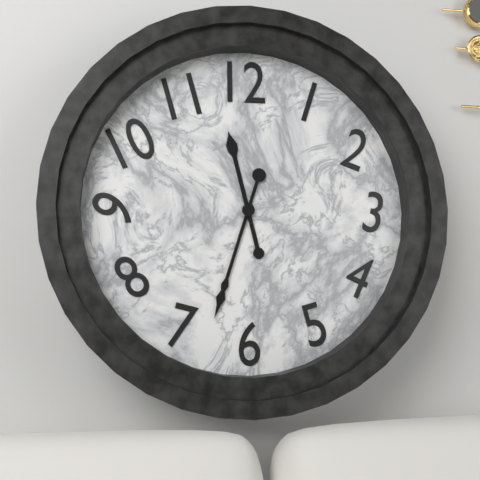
11:33
